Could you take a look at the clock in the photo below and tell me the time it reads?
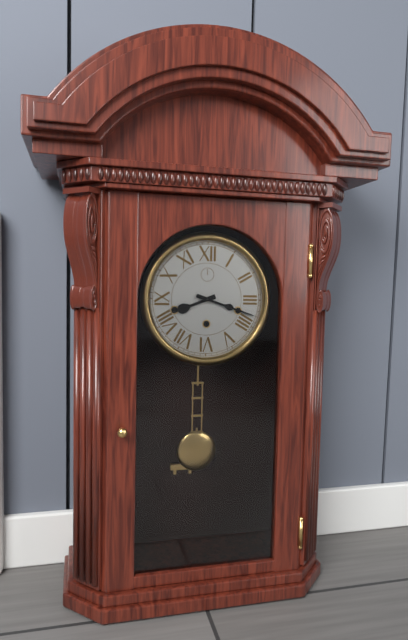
8:18
